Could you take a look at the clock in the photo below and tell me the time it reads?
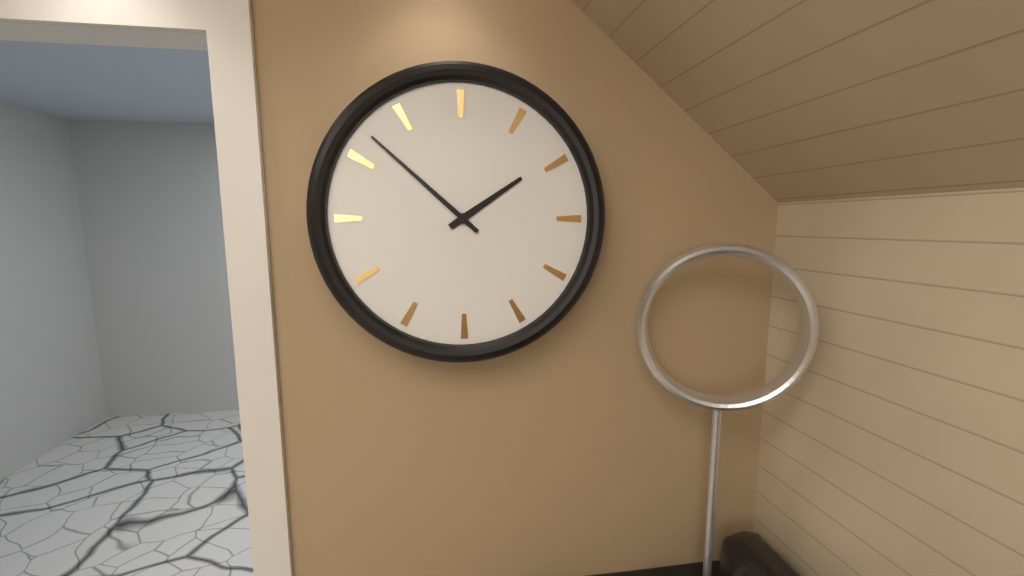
1:52
